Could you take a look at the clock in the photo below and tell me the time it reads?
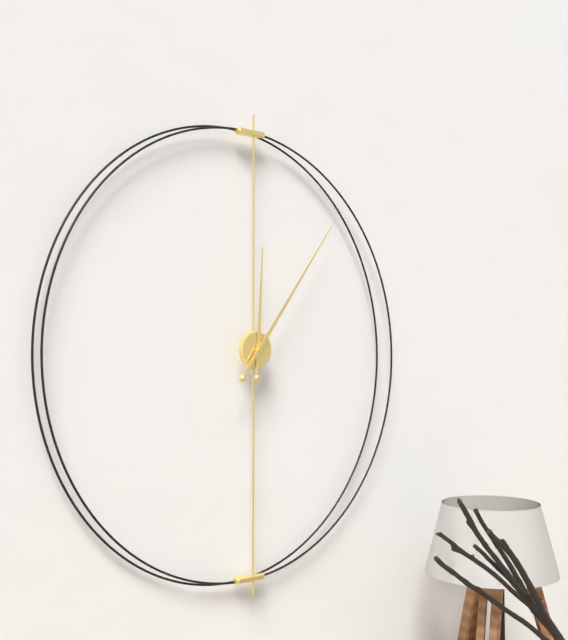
12:06
